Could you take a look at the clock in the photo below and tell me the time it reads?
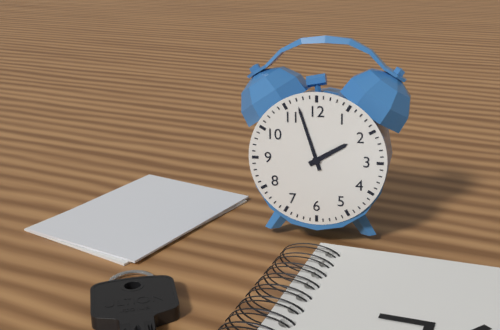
1:57
